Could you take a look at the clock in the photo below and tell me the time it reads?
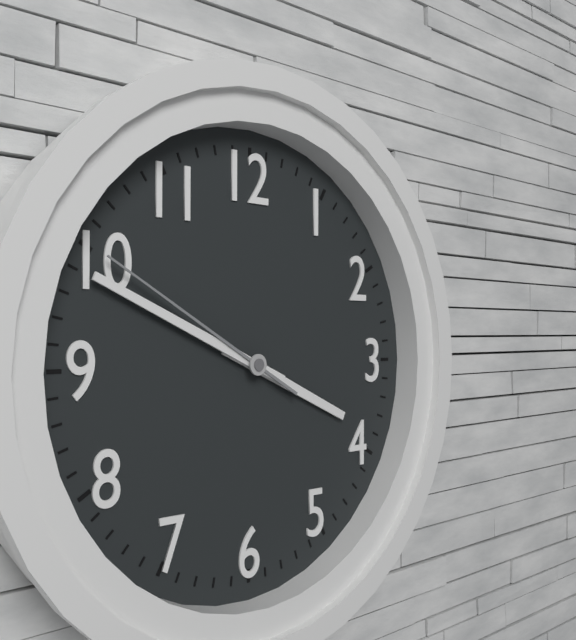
3:49:50
